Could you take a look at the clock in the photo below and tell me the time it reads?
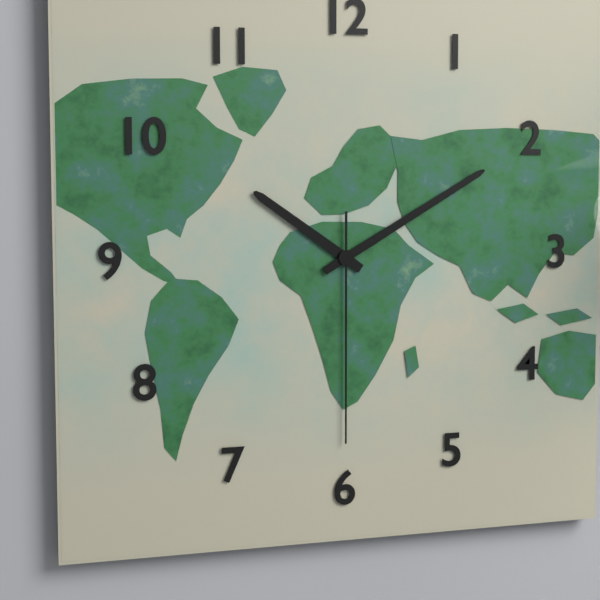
10:10:30
